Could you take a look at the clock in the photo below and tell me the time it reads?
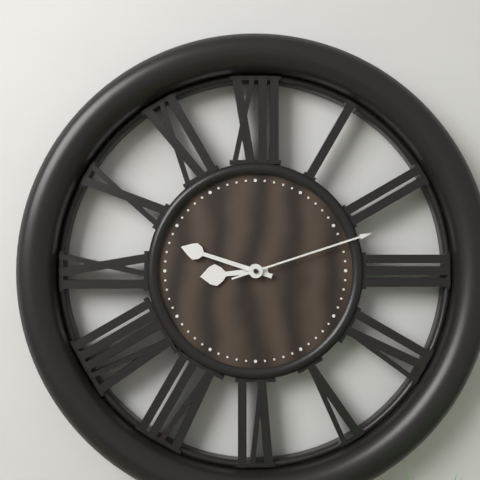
8:48:12
